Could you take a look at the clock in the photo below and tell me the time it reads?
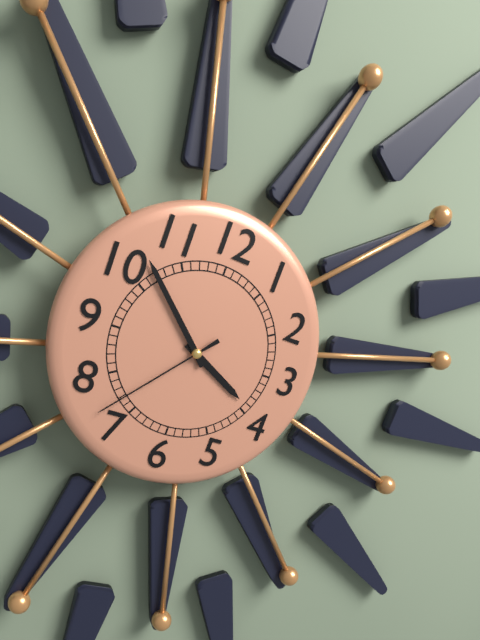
3:52:37
